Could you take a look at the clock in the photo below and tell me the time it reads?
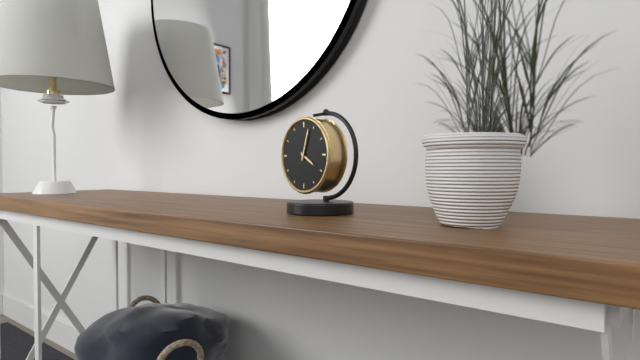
4:03
